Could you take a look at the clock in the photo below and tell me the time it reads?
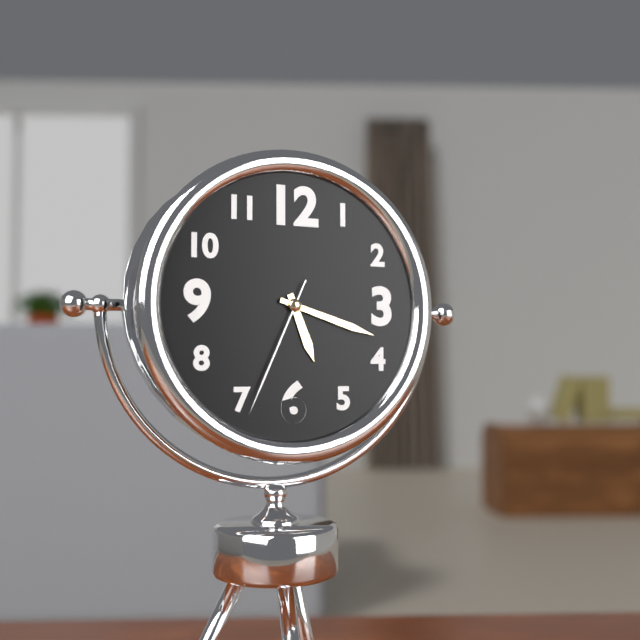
5:18:34
